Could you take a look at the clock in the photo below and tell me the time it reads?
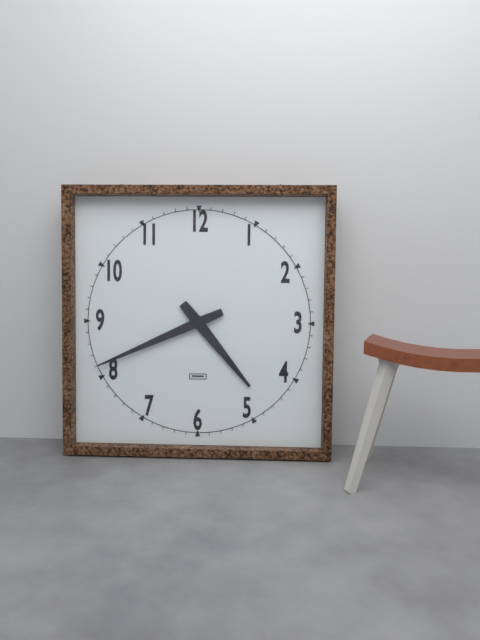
4:41
